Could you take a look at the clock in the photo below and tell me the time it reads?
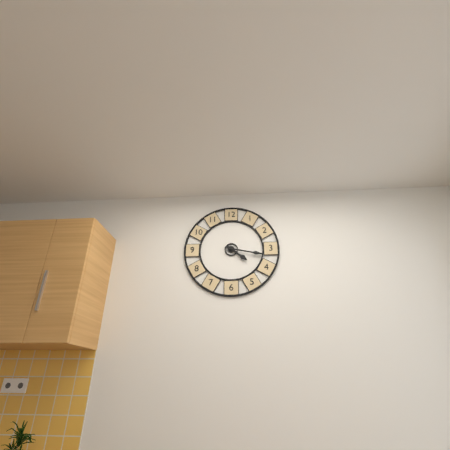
4:17
